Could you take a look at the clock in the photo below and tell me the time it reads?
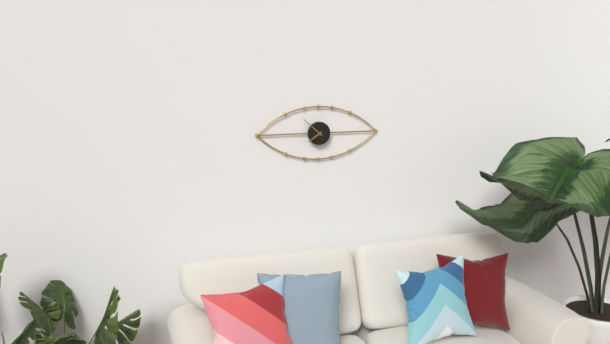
7:52
